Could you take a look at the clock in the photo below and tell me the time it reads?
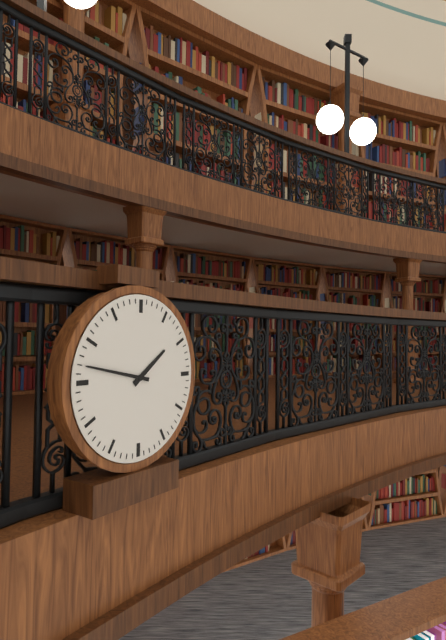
1:47
